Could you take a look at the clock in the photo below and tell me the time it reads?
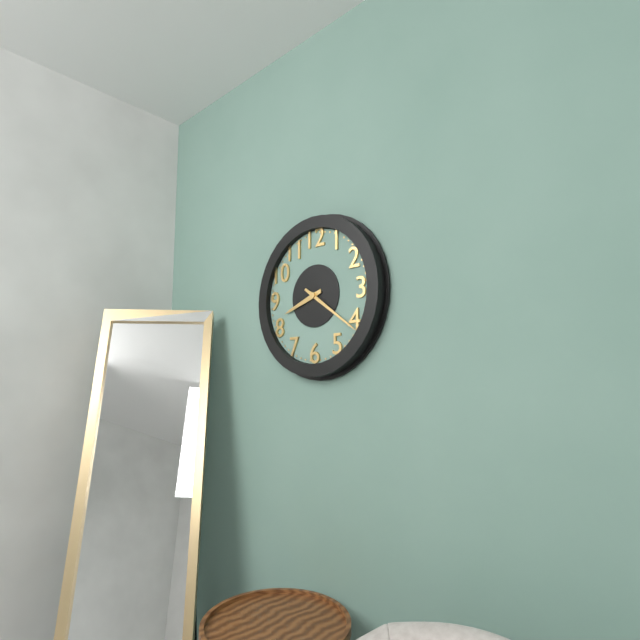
8:21
